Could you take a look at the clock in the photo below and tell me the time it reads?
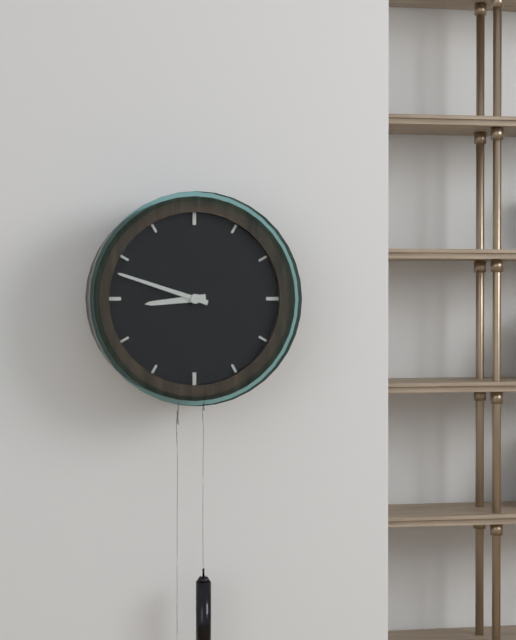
8:48
